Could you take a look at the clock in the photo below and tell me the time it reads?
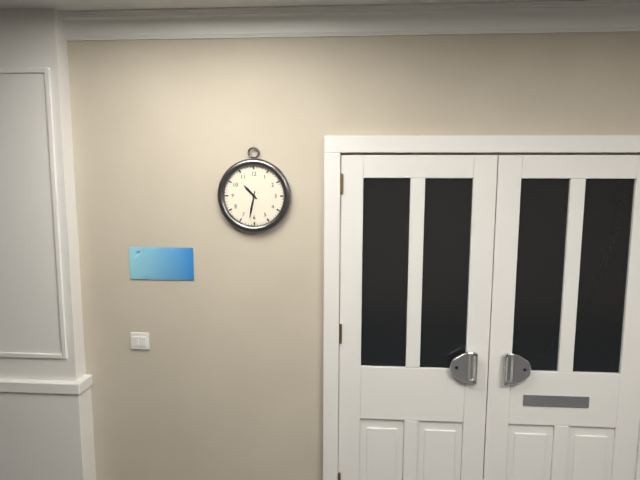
10:32
